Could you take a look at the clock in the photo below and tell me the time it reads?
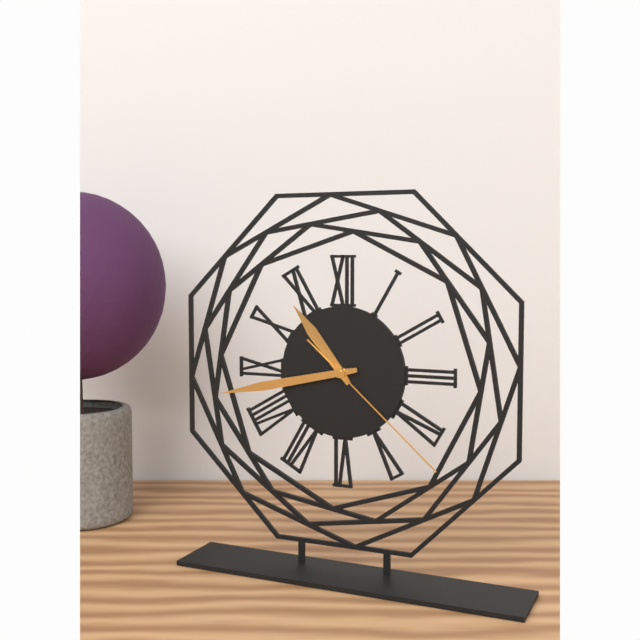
10:43:22
